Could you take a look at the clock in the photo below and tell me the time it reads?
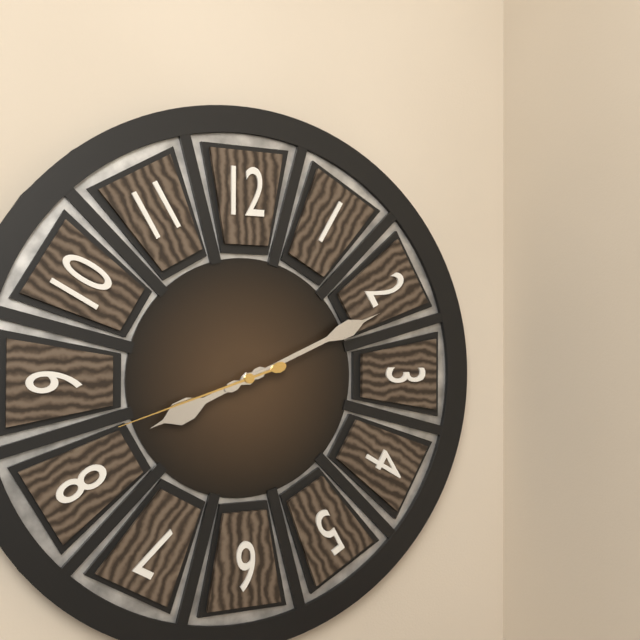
8:11:42
